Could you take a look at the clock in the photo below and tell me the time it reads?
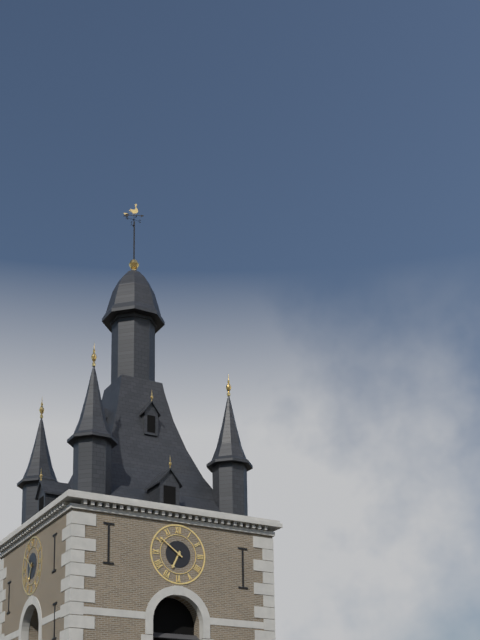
6:51
